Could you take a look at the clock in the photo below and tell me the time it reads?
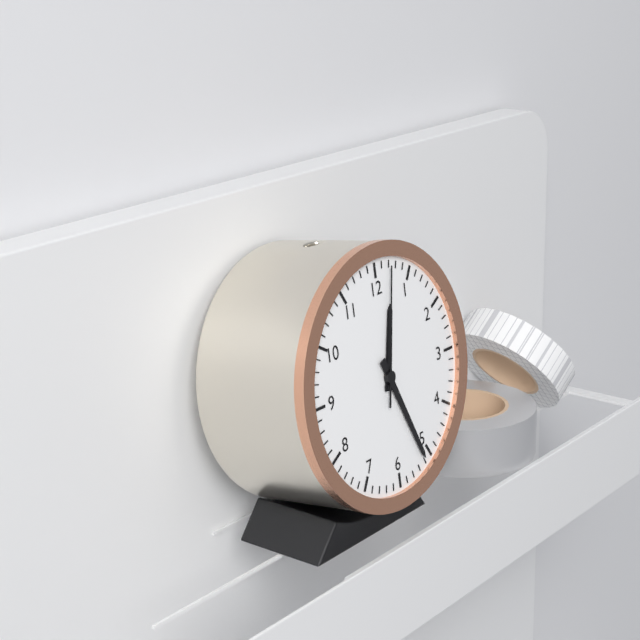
12:26:02
